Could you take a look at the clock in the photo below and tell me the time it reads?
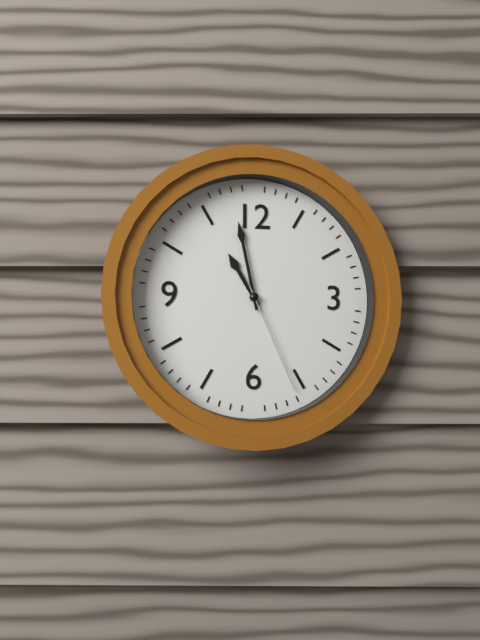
10:58:26
